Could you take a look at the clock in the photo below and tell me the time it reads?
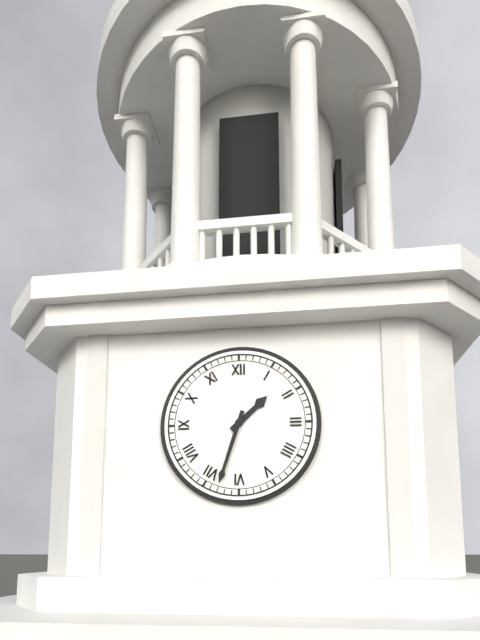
1:33
